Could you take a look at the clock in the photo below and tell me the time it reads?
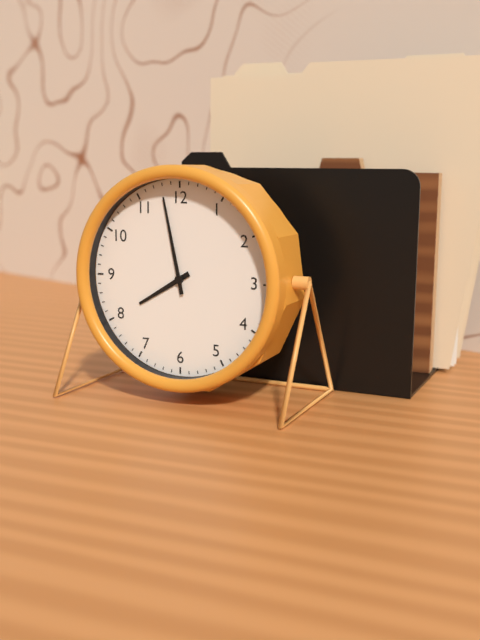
7:58
